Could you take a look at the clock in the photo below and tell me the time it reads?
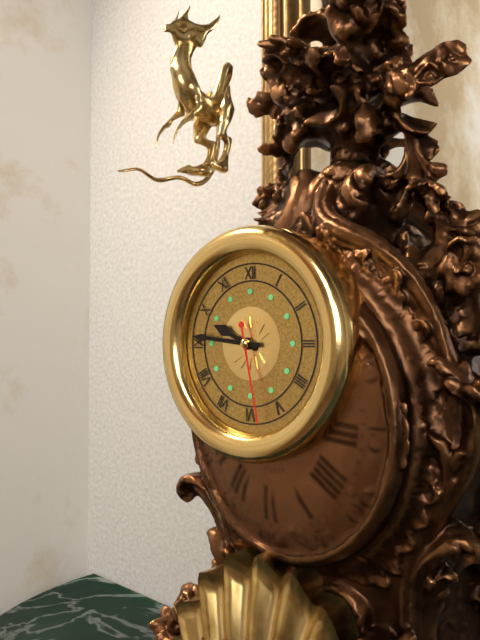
9:46:28
